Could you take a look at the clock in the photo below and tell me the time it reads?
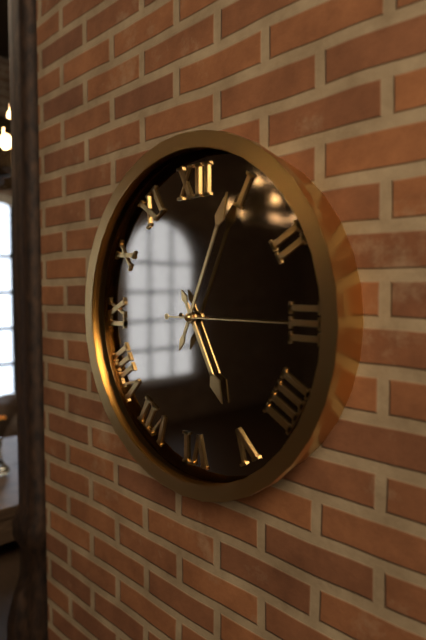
5:04:15
